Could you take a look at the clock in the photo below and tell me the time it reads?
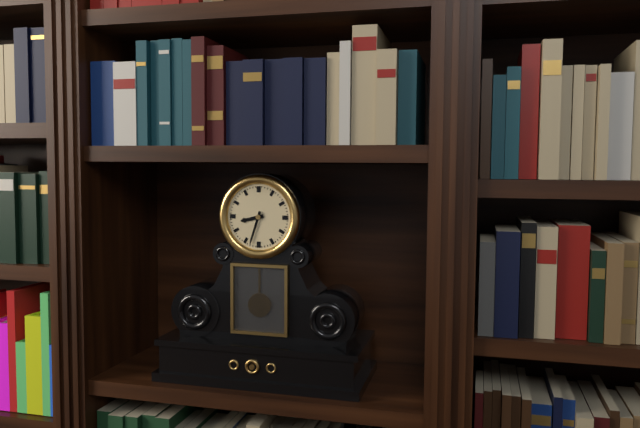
8:33
